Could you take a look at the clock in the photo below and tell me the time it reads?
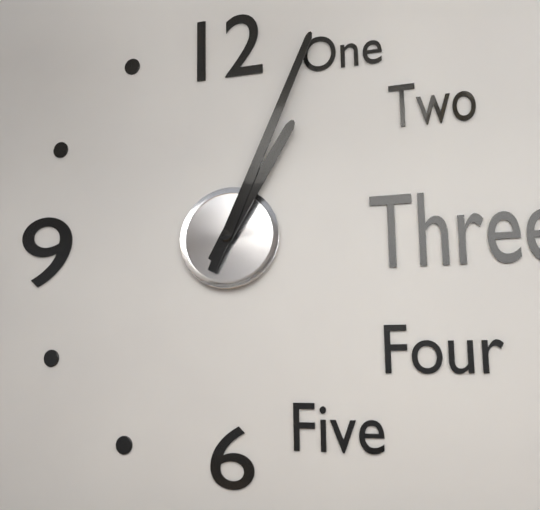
1:04
